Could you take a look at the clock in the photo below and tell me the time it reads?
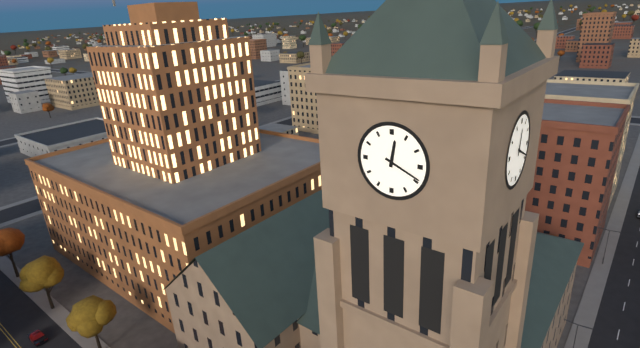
12:19
